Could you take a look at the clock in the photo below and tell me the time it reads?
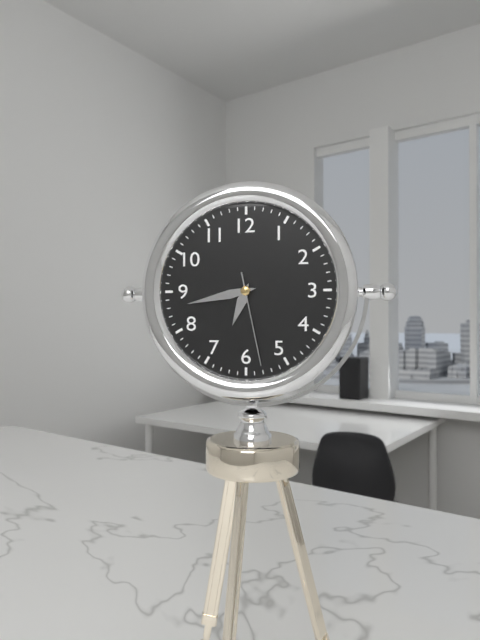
6:43:28
